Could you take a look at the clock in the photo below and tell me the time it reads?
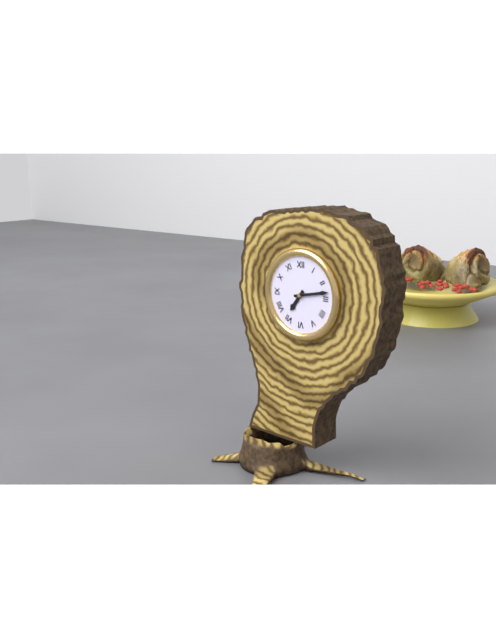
7:13
